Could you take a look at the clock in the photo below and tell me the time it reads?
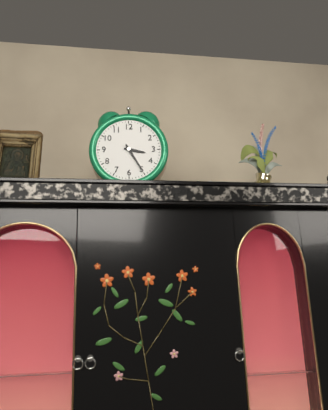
3:25
